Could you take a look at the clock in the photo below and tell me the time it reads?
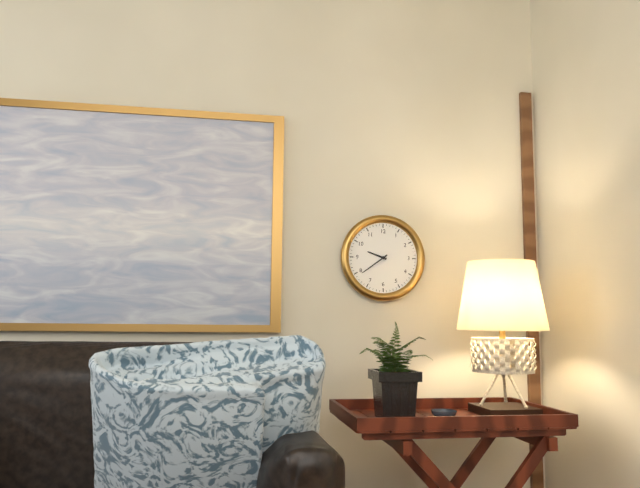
9:39
